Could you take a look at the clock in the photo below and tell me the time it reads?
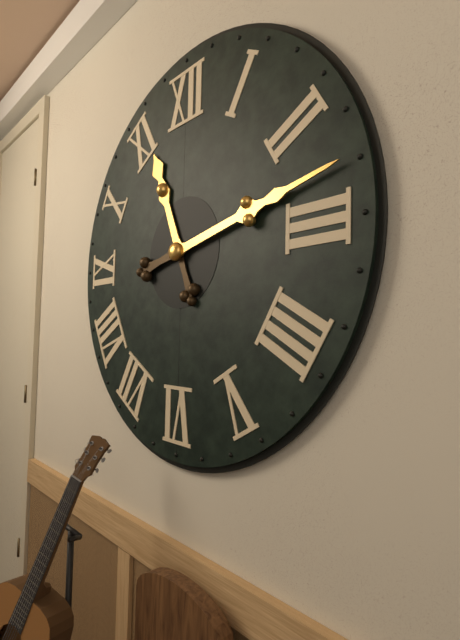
11:13
